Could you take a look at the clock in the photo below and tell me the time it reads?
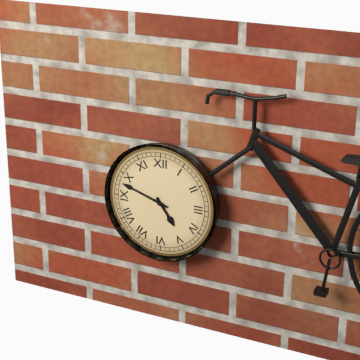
4:48
